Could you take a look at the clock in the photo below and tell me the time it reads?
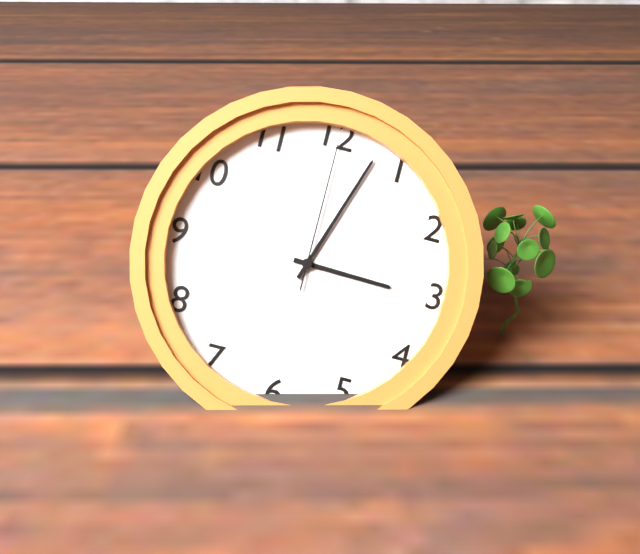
3:03:00
